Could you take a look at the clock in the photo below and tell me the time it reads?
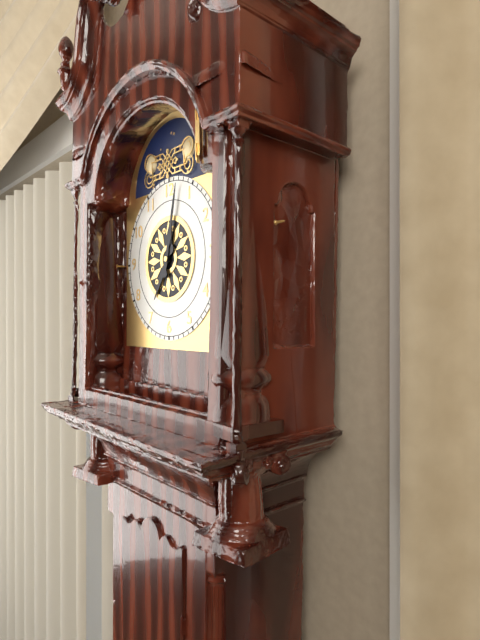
7:02
